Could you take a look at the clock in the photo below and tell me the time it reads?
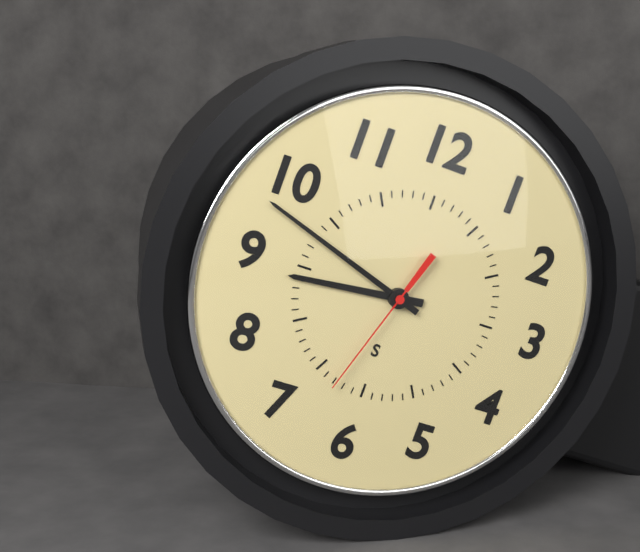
8:48:33
